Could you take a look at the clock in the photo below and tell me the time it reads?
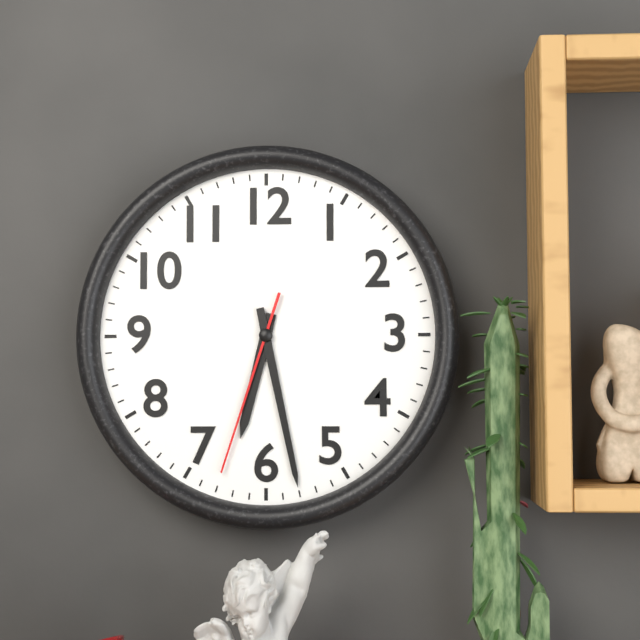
6:28:33
